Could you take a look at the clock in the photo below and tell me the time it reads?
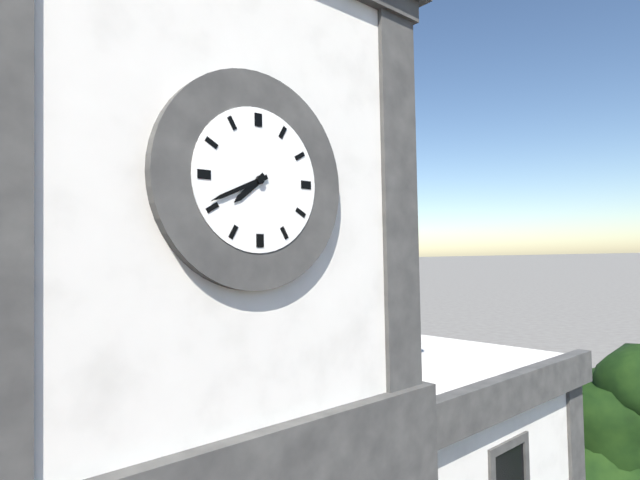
7:41
